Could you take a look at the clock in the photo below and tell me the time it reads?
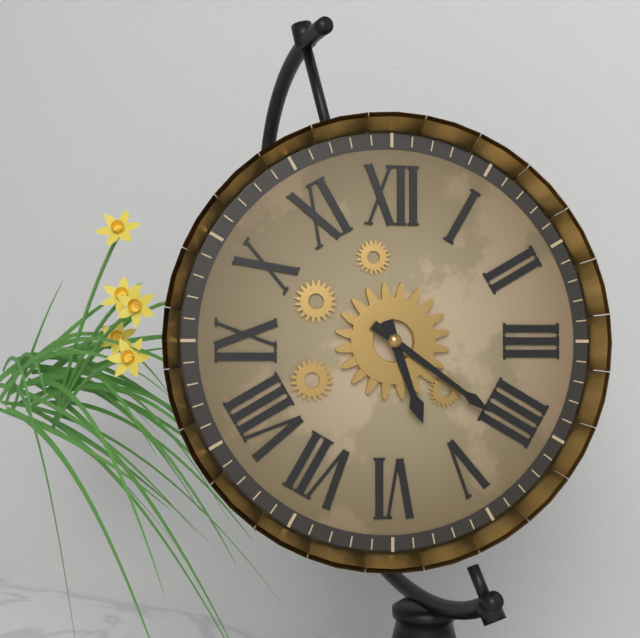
5:21
